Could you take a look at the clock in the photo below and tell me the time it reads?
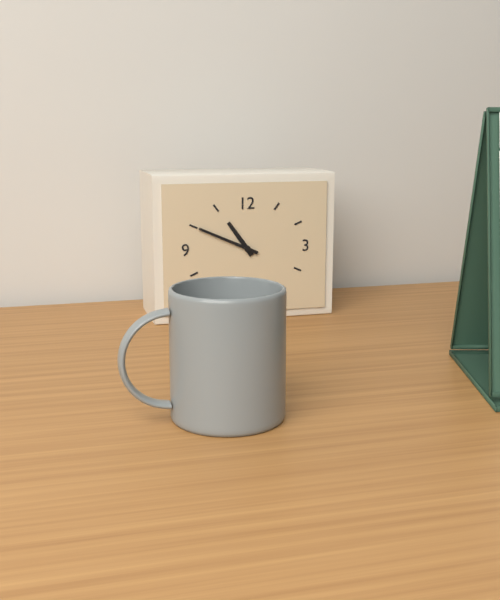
10:49
